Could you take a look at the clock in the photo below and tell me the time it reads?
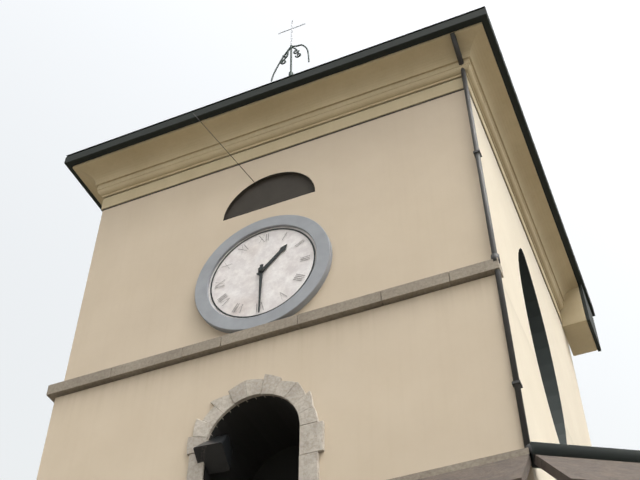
1:30
